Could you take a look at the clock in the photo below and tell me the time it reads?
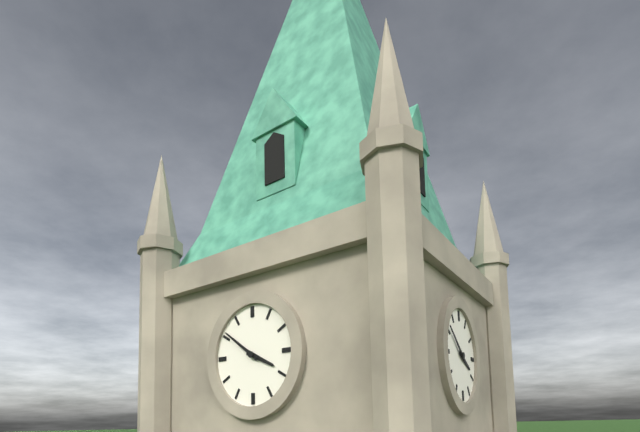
3:51
